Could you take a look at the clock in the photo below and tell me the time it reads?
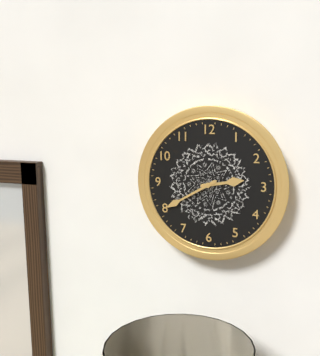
2:40
